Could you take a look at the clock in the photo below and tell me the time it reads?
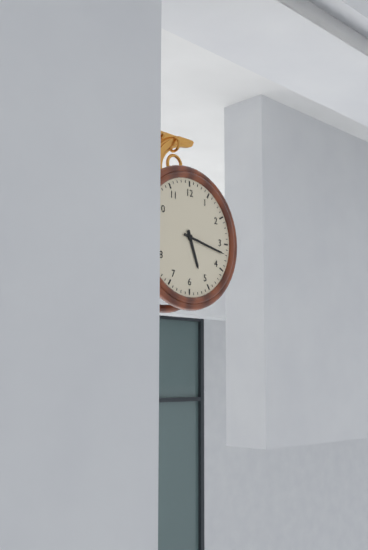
5:17
